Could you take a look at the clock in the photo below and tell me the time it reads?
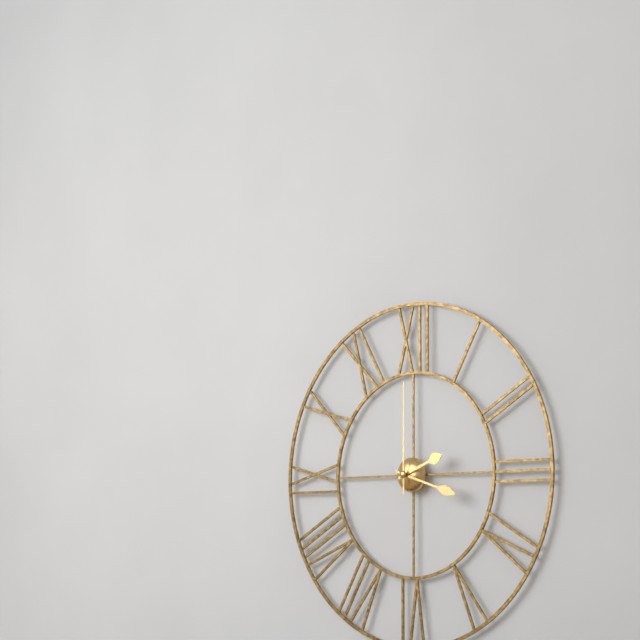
2:18:00
